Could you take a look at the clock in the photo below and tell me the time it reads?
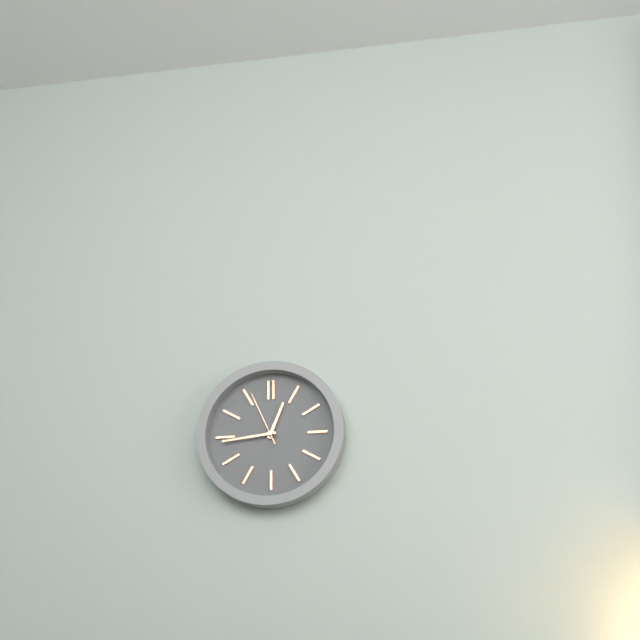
12:44:56
